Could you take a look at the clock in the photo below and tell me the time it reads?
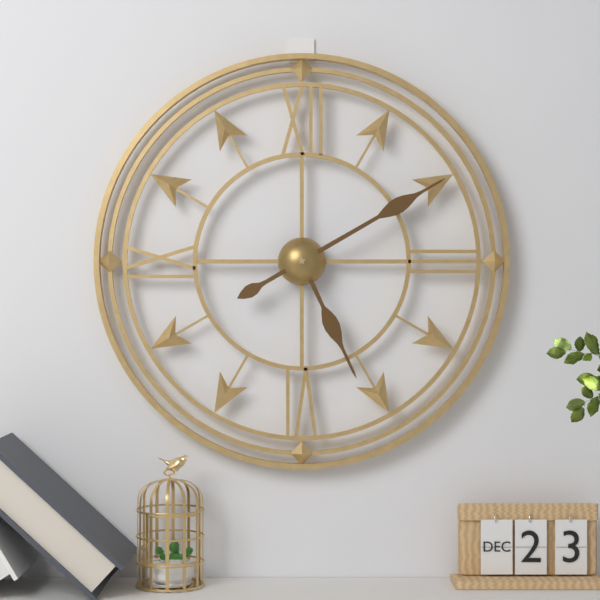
5:10
